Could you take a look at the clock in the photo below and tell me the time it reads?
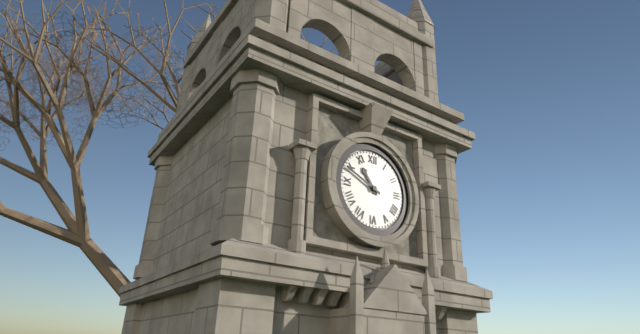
10:49
